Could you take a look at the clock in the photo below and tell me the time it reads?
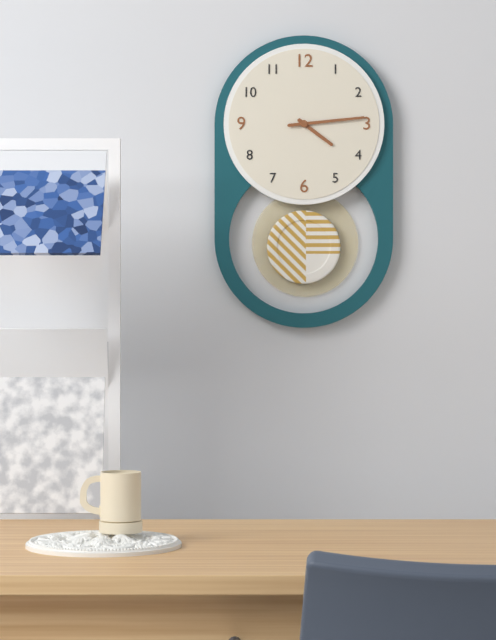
4:14
